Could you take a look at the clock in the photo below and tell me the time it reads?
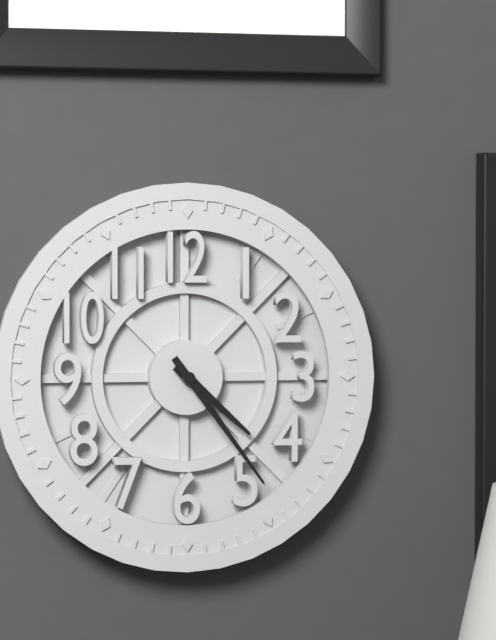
4:24
